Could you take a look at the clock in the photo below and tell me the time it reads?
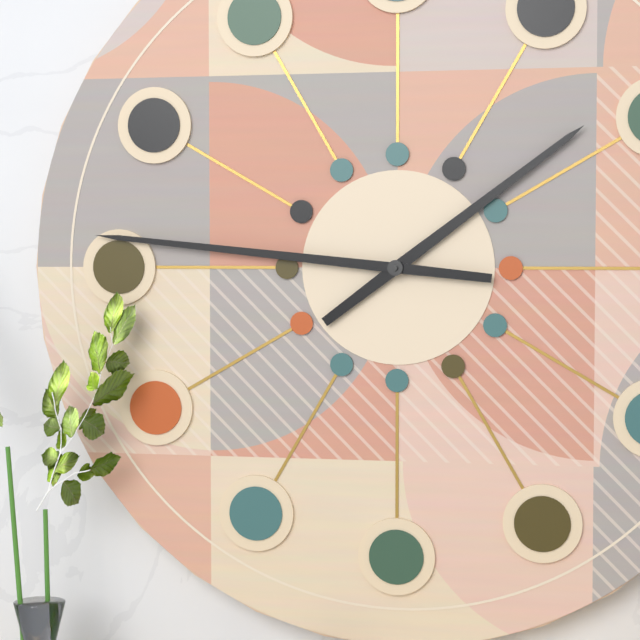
1:46
